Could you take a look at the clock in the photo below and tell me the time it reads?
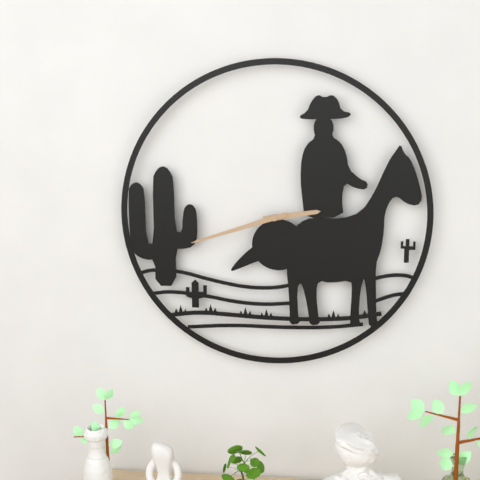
2:42
